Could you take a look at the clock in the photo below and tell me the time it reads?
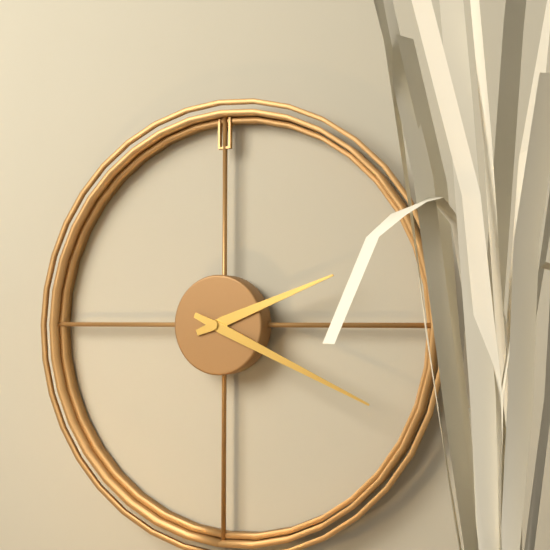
2:19
